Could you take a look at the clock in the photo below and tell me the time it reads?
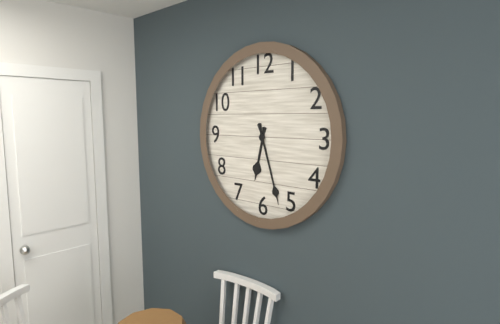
6:27
